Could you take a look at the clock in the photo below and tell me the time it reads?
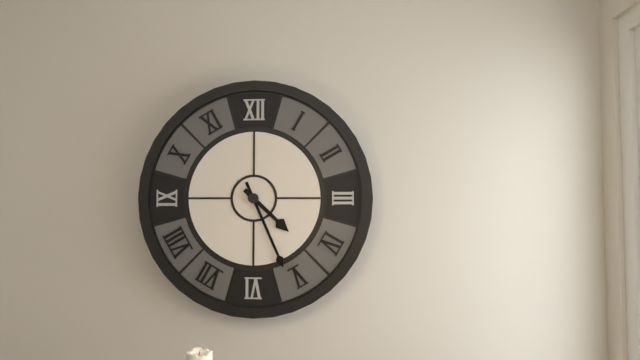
4:26
